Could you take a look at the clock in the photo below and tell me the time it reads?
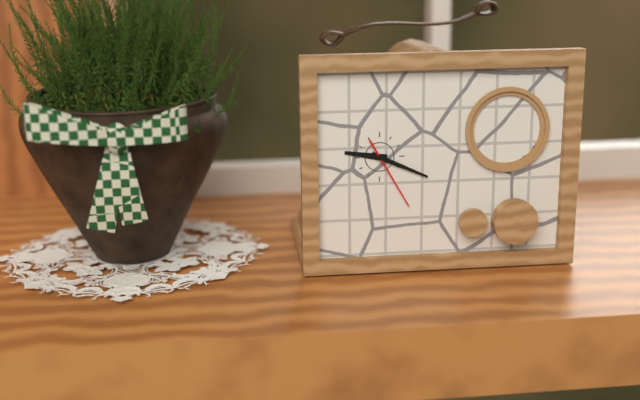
9:19:25
